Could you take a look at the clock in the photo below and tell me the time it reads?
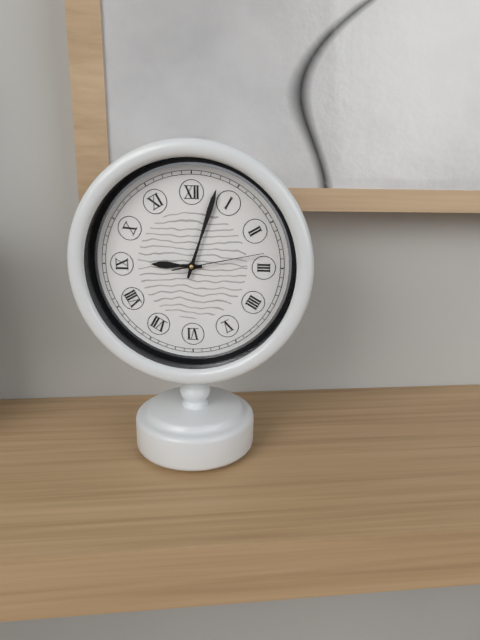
9:03:13
